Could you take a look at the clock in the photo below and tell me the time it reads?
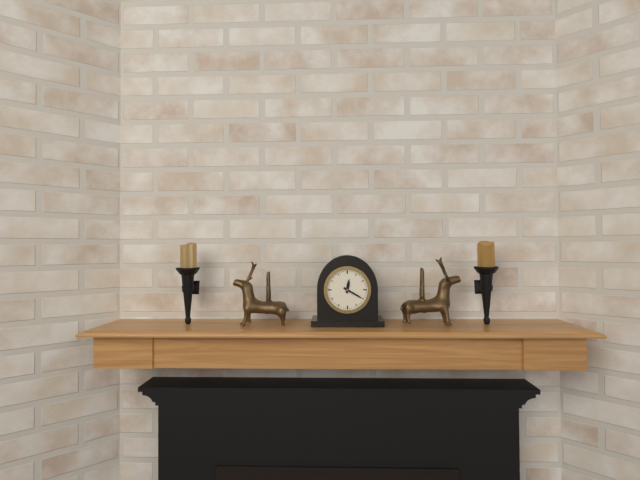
12:20
